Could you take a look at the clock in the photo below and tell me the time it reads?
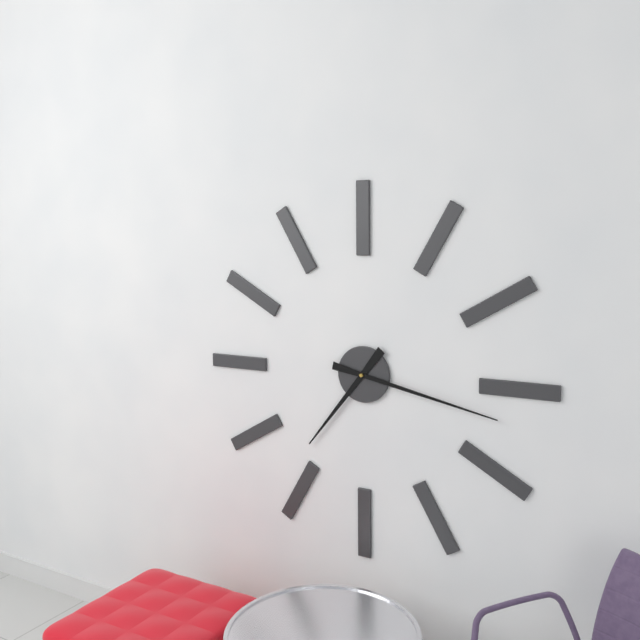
7:17
